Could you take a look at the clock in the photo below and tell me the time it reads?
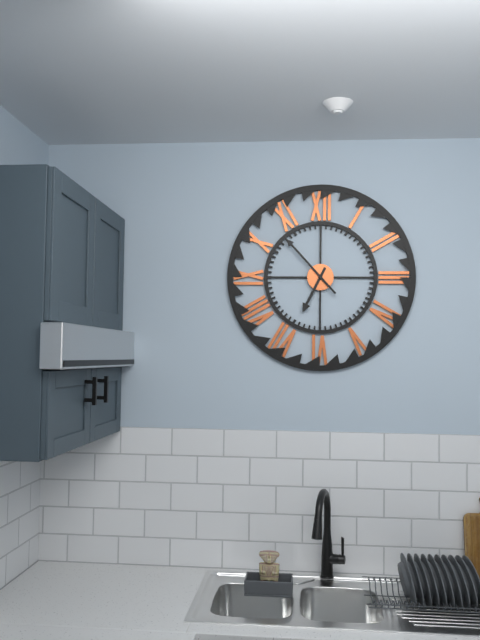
6:53
